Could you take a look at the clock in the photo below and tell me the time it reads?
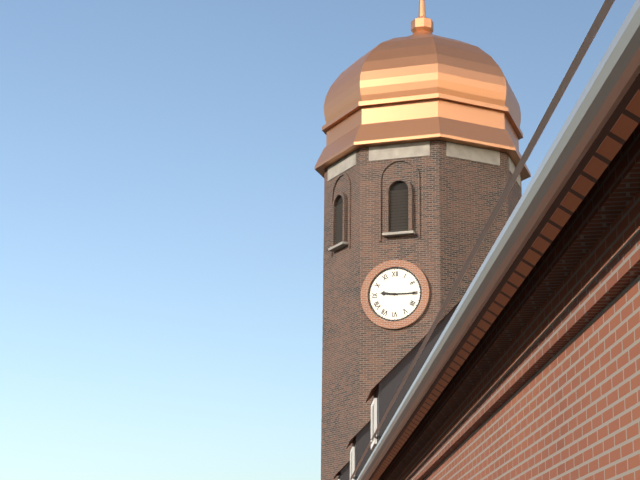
9:15
